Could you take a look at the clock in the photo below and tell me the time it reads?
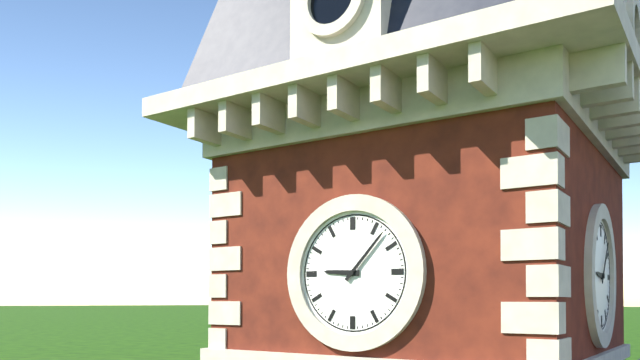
9:07
